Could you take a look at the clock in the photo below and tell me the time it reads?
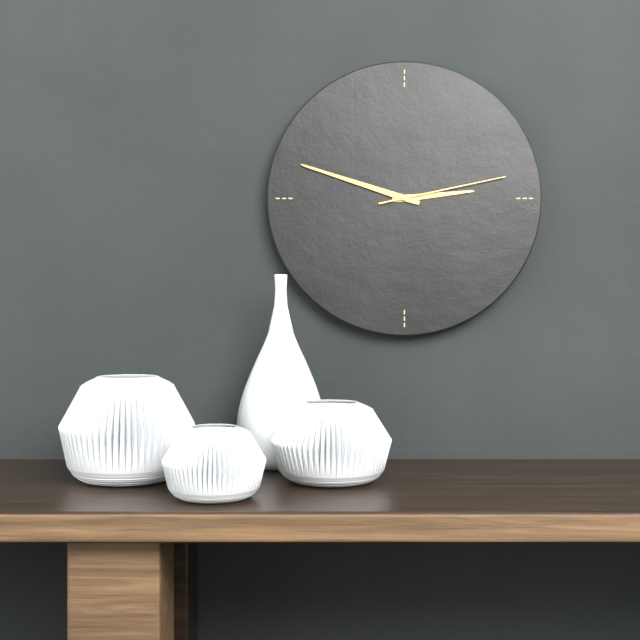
2:48:13
